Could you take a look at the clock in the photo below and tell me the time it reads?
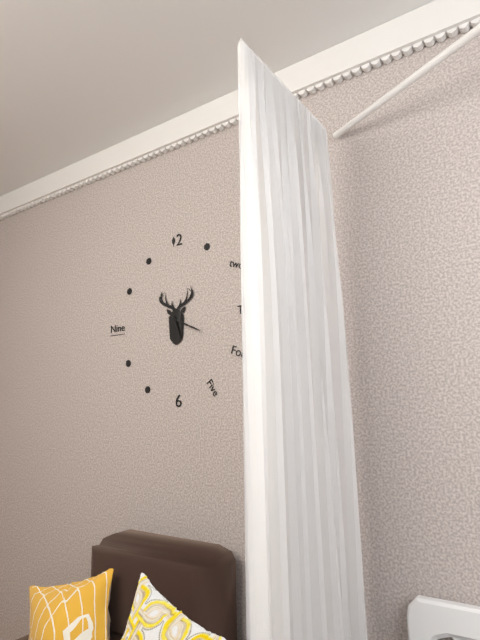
5:19
